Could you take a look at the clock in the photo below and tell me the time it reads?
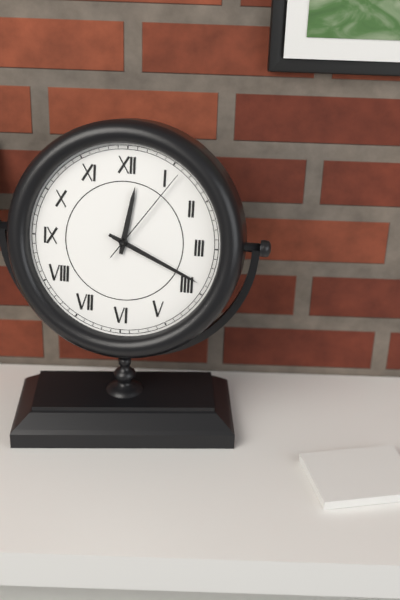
12:19:06
